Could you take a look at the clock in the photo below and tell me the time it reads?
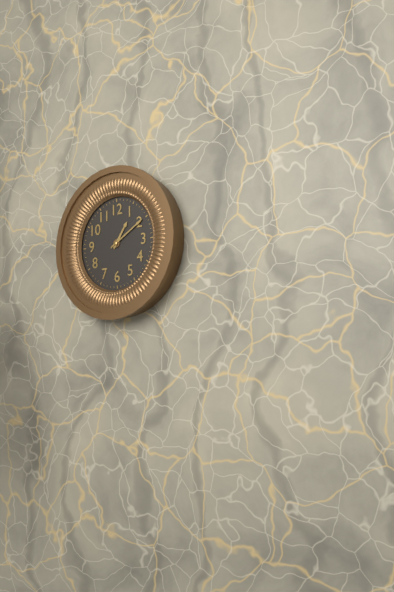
1:10
